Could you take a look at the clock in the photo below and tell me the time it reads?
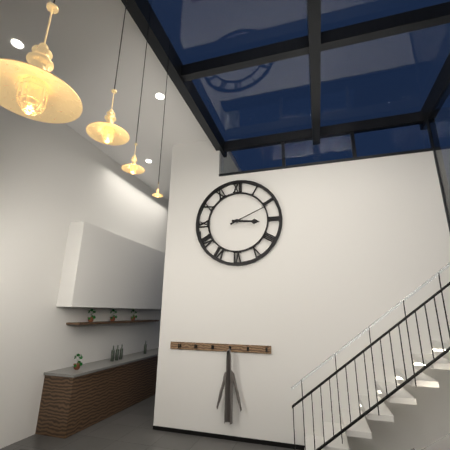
3:11
